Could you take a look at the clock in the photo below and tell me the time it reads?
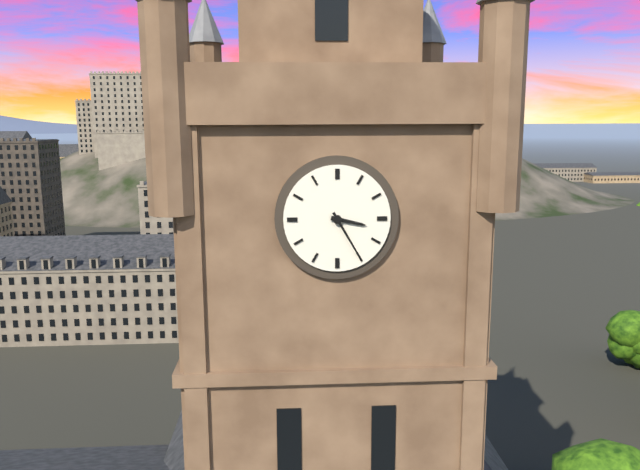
3:25
